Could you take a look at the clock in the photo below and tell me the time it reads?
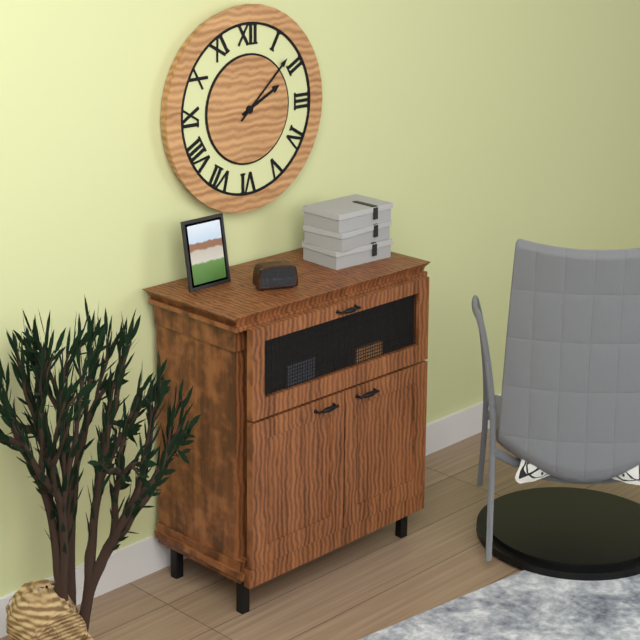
2:08
